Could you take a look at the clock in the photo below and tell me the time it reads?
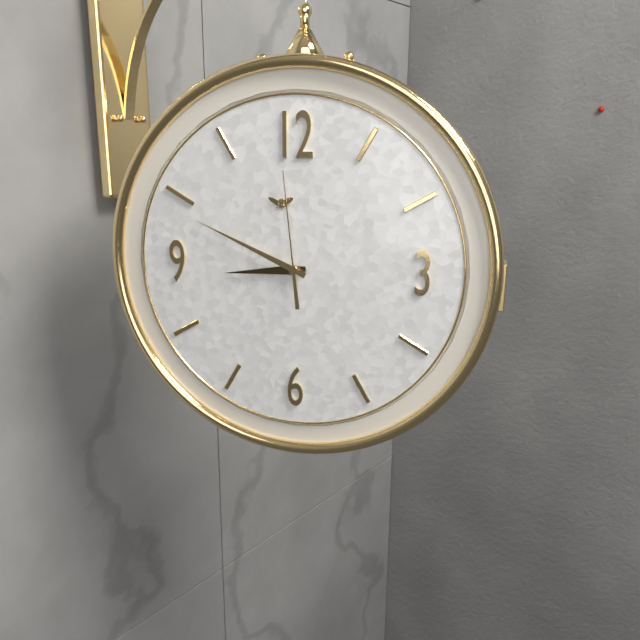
8:49:59
